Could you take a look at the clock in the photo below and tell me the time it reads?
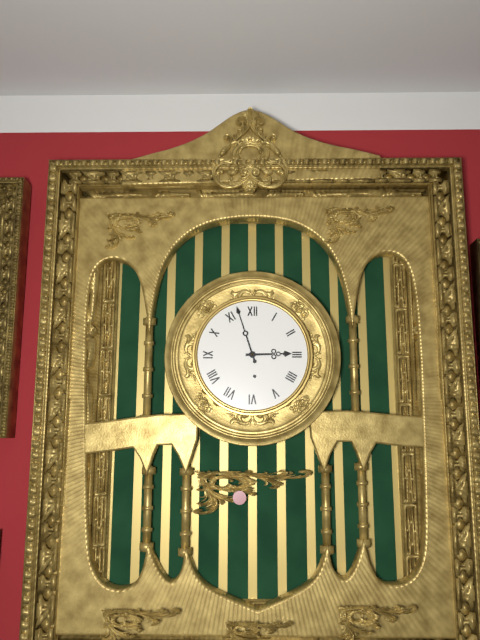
2:57
